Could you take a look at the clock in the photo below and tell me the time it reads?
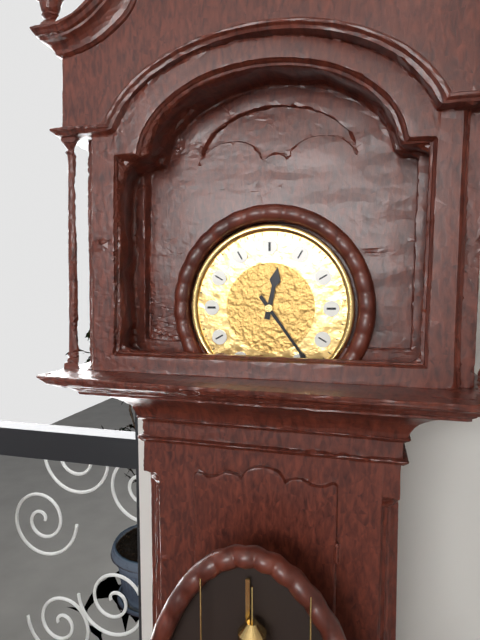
12:24
